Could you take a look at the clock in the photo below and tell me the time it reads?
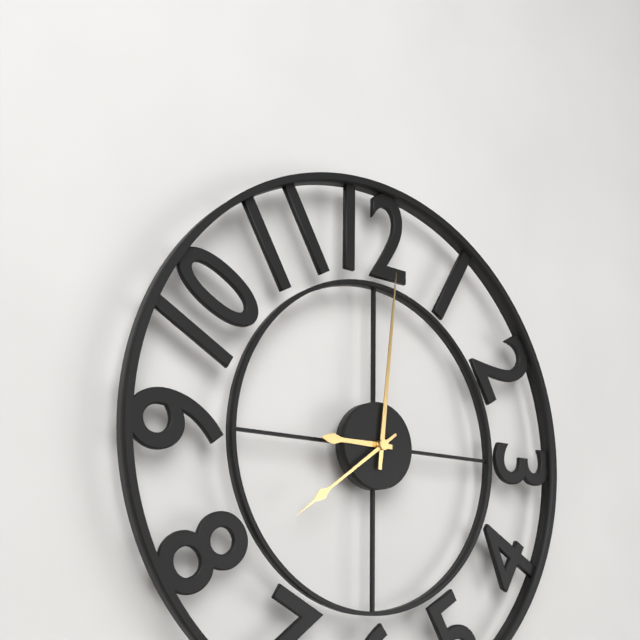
9:01:39
